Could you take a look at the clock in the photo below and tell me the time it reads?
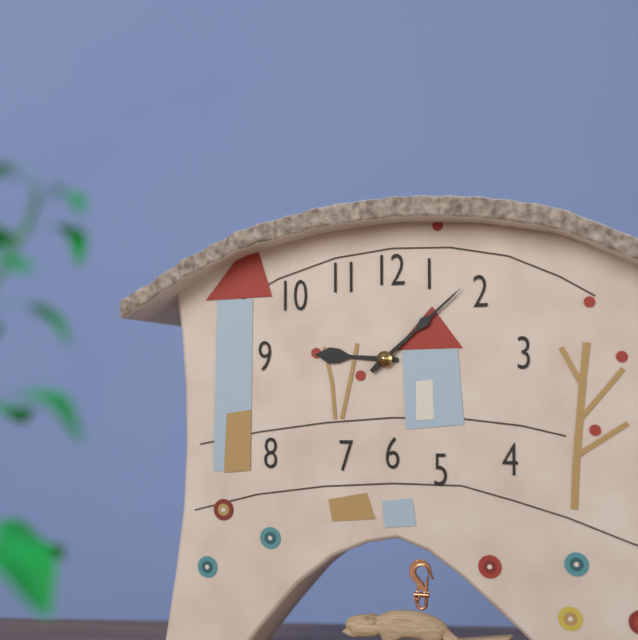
9:08
